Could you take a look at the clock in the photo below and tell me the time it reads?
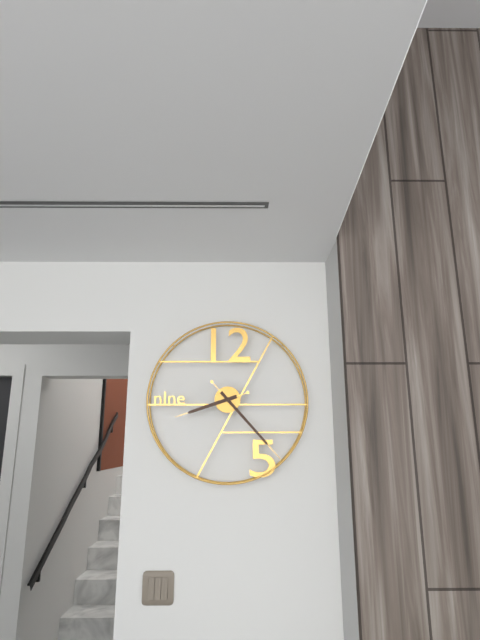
8:23
